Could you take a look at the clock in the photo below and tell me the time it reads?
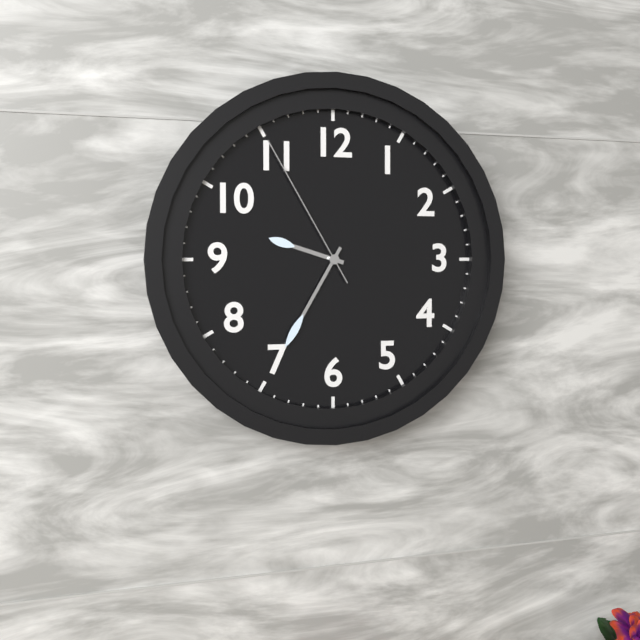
9:35:55
